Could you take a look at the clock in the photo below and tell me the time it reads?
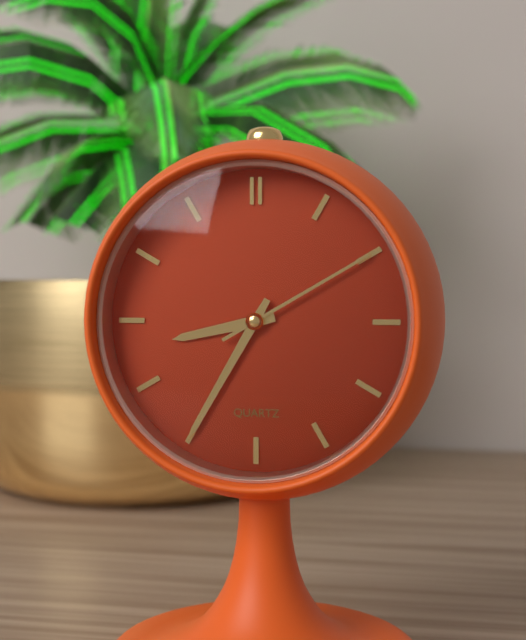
8:35:10
